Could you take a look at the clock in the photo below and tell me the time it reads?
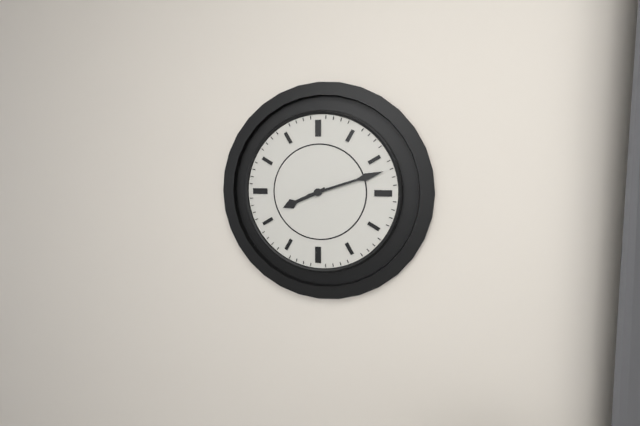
8:12
